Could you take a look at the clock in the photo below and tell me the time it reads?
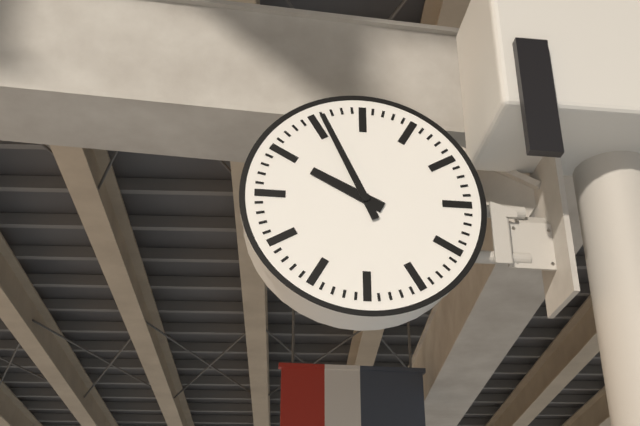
9:56
